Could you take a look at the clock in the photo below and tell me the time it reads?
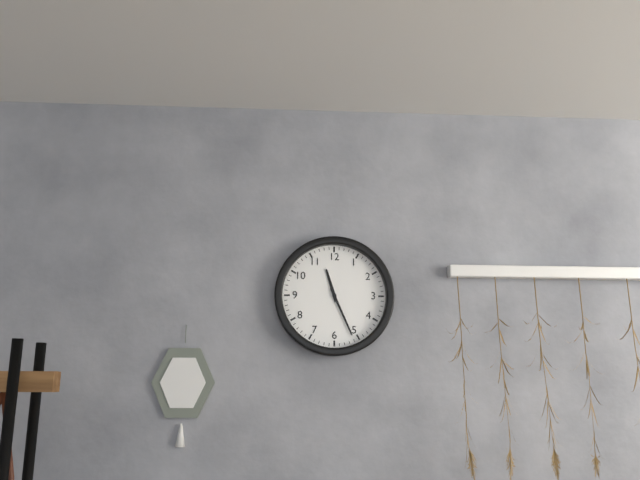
11:26
